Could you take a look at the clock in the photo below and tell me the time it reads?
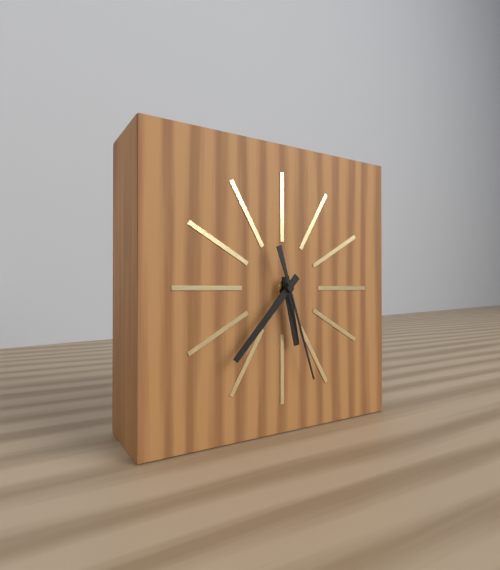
5:37:27
